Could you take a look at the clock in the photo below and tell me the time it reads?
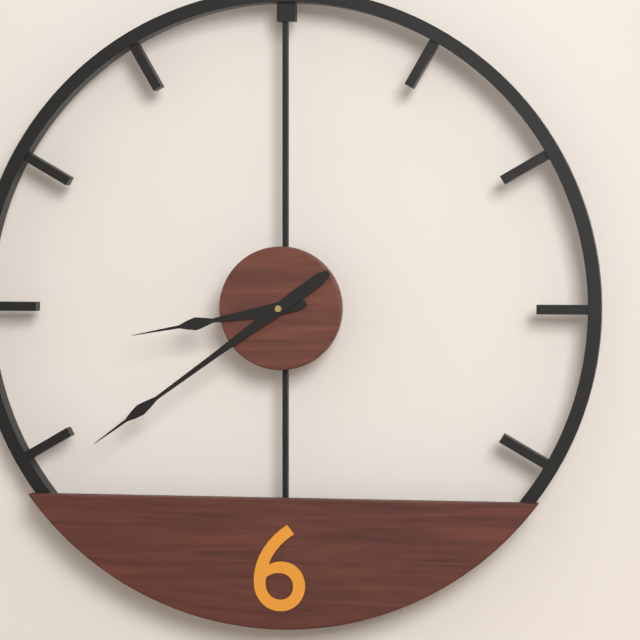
8:39
